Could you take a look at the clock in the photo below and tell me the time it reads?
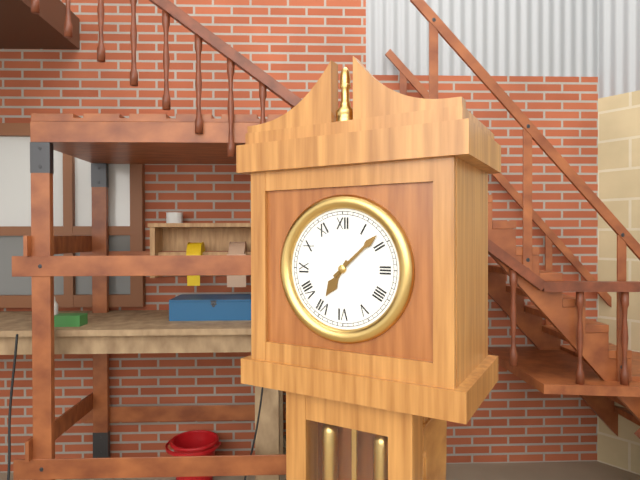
7:08
